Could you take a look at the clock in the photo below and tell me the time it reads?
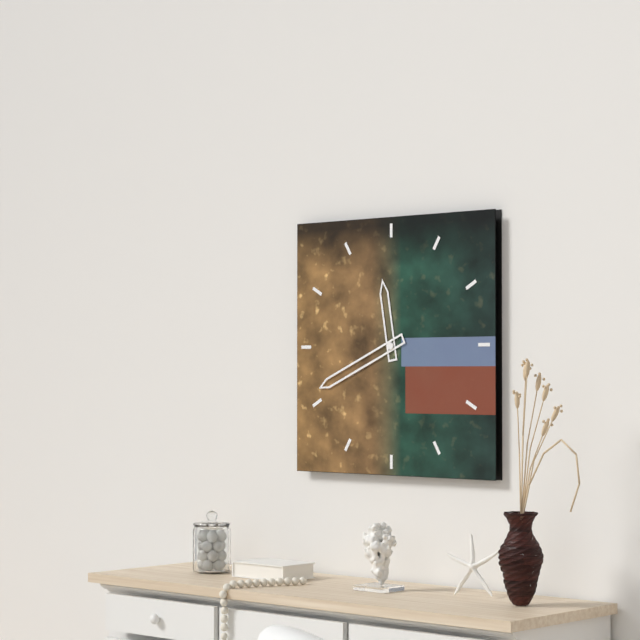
11:41
